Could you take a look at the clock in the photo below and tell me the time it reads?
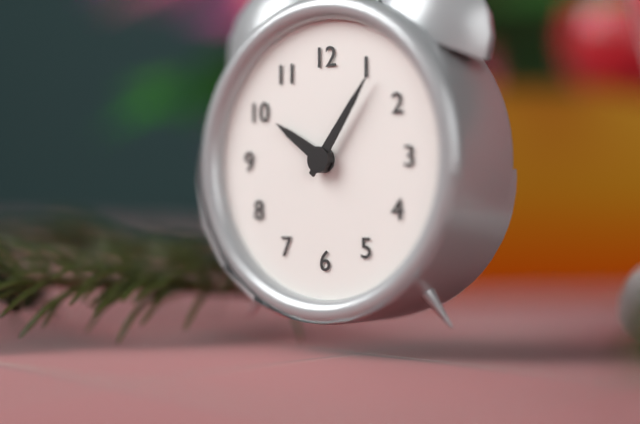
10:06
